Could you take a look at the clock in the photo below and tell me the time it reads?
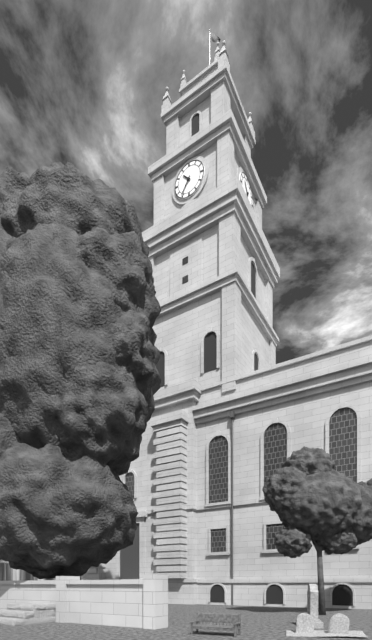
10:36
